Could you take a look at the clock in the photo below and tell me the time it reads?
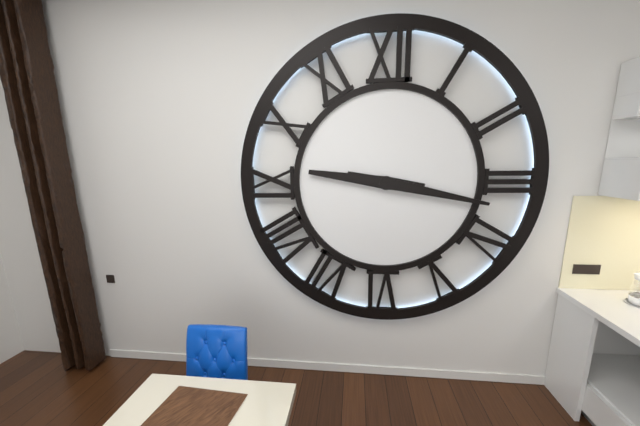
9:17
